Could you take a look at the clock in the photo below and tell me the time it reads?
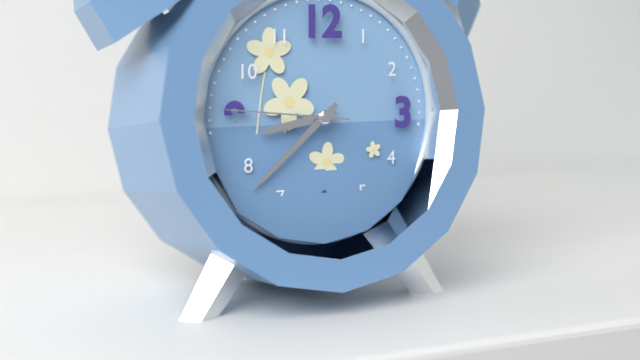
8:38:46
